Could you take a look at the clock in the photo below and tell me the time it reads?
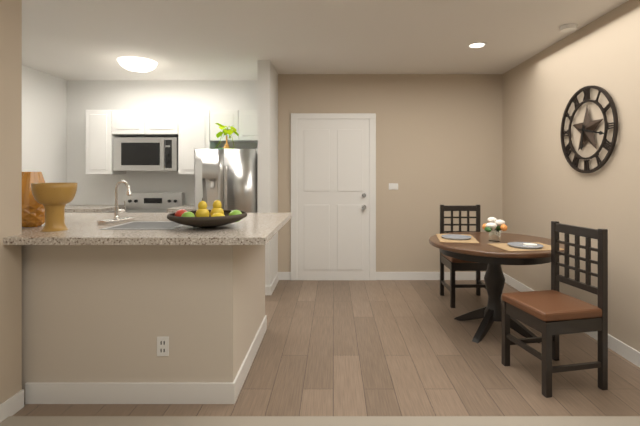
6:17
